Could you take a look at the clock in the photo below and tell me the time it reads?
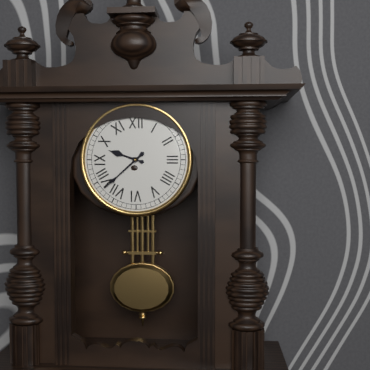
9:38
